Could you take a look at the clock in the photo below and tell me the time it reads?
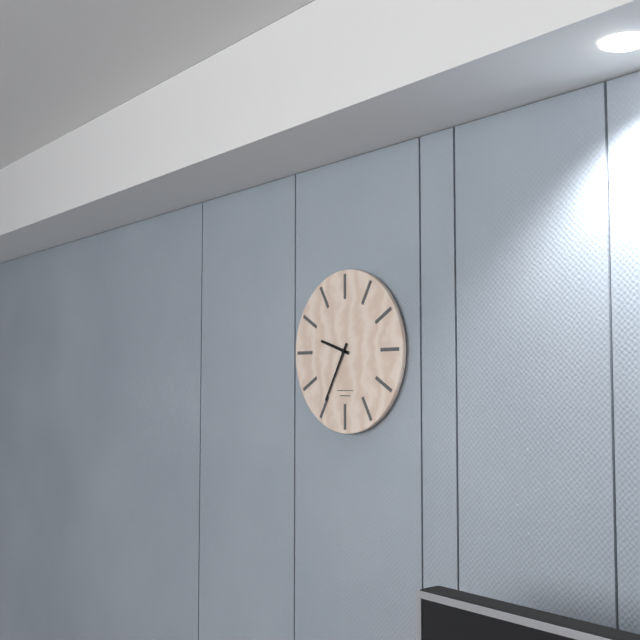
9:35
